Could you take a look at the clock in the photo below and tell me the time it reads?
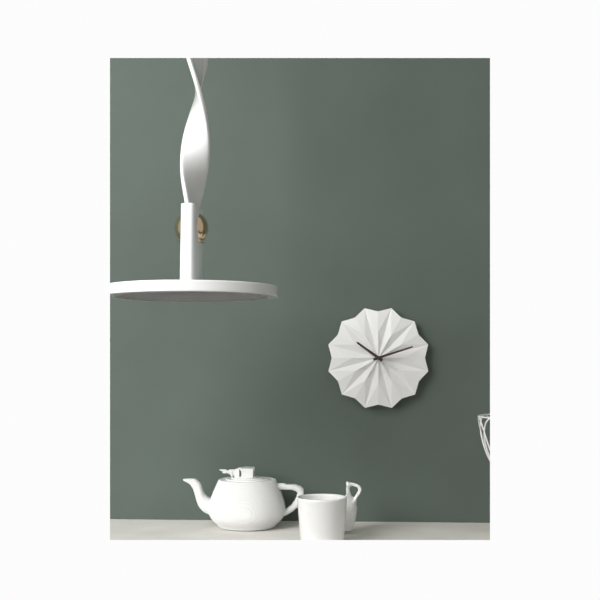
10:12
